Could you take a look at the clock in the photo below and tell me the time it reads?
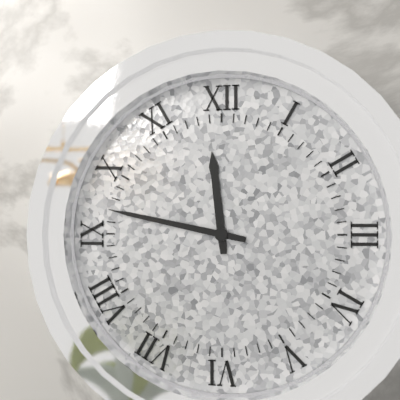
11:47
